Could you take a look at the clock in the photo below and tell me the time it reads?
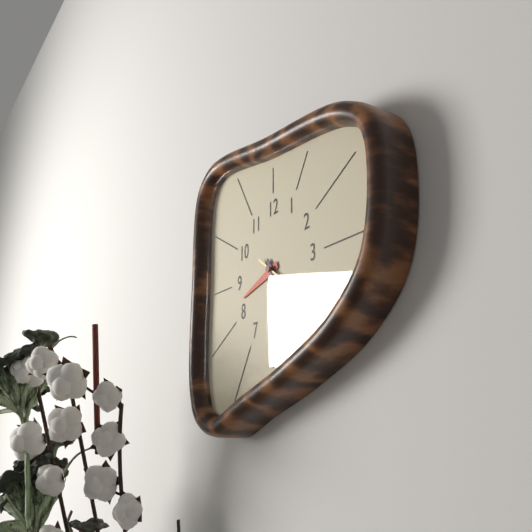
8:24:21
